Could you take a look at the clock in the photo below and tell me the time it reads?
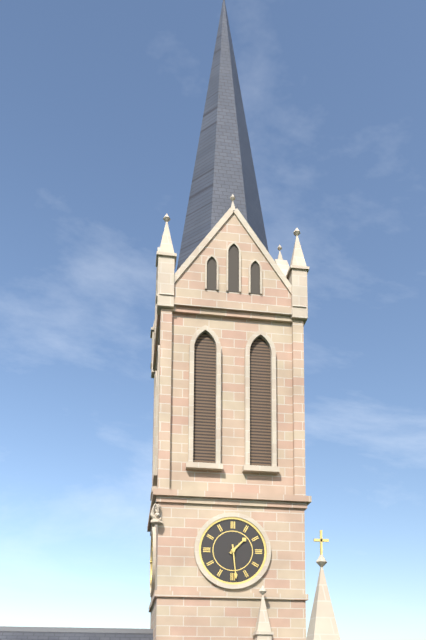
1:29
